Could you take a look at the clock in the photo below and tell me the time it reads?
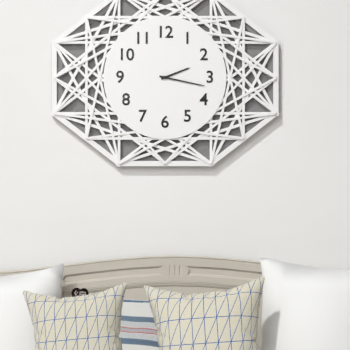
2:17
